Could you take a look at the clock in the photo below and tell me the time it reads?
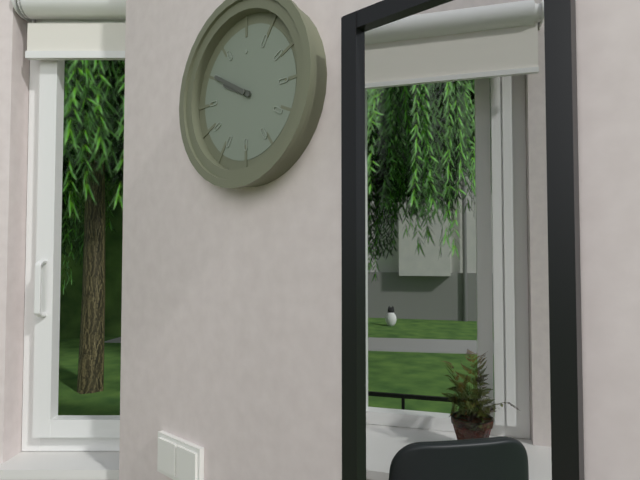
9:50
